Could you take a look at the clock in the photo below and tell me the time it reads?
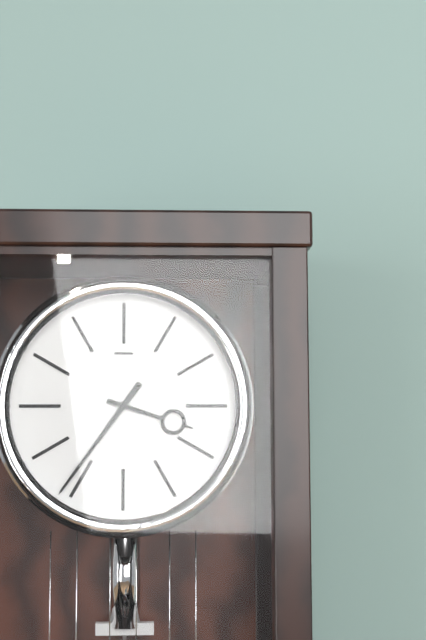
3:36
